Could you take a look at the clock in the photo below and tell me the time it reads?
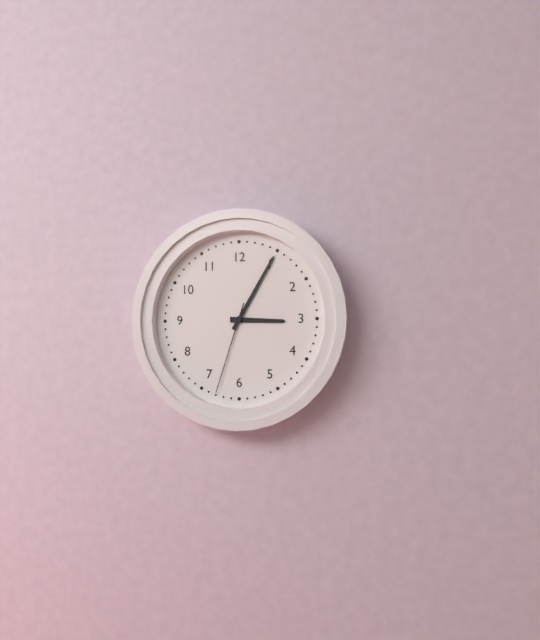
3:05:33
